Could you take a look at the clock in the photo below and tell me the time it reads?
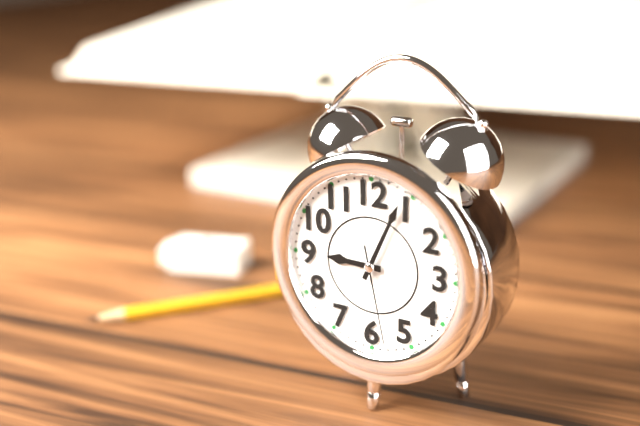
9:04:28
